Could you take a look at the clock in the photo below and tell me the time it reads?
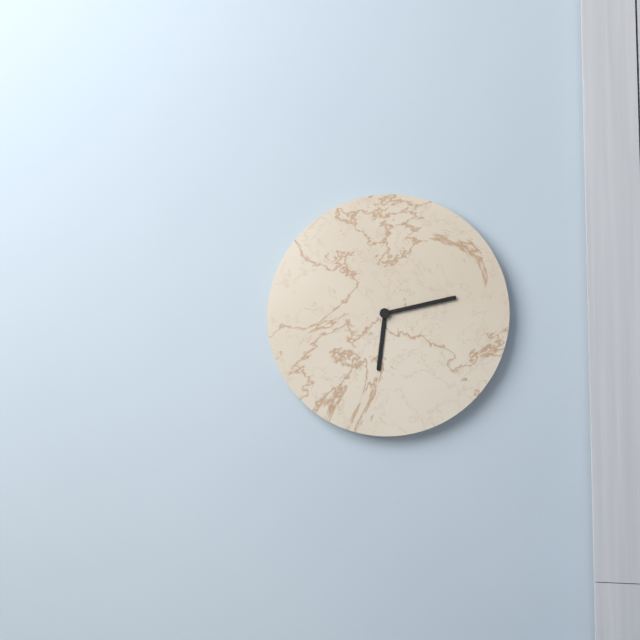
6:13
